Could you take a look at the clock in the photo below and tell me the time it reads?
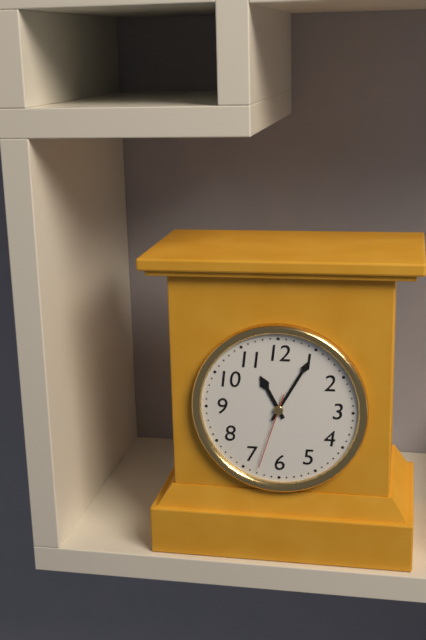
11:05:33
